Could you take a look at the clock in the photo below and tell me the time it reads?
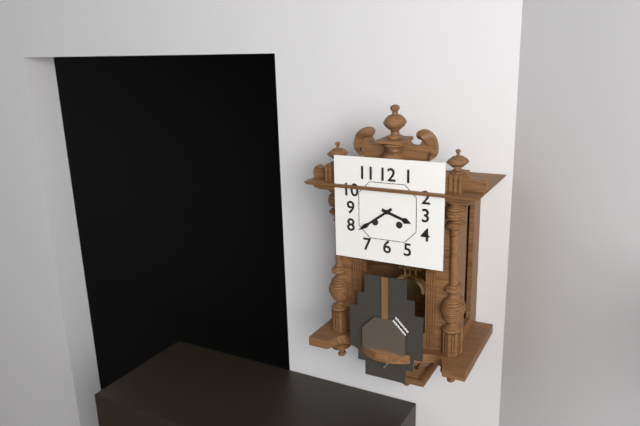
3:39
